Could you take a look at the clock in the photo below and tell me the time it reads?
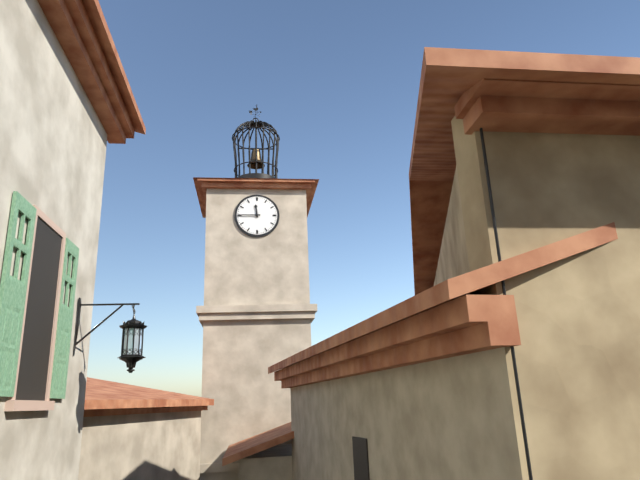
11:45
